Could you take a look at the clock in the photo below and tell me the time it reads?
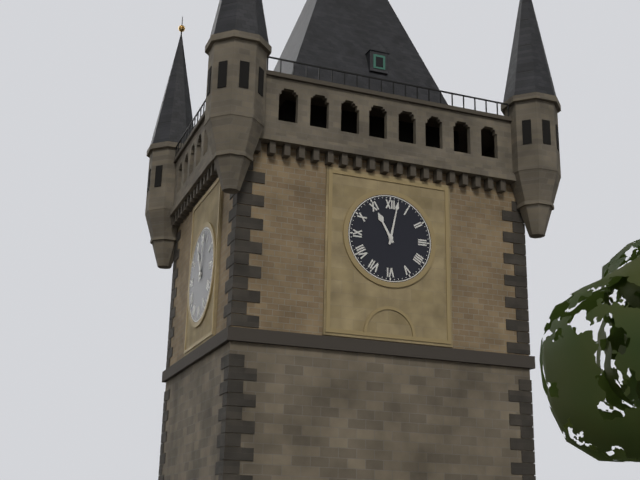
11:02
